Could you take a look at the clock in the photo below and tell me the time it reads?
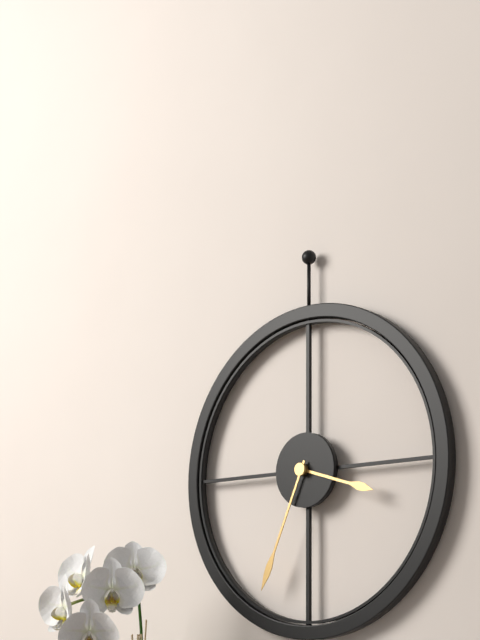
3:34
